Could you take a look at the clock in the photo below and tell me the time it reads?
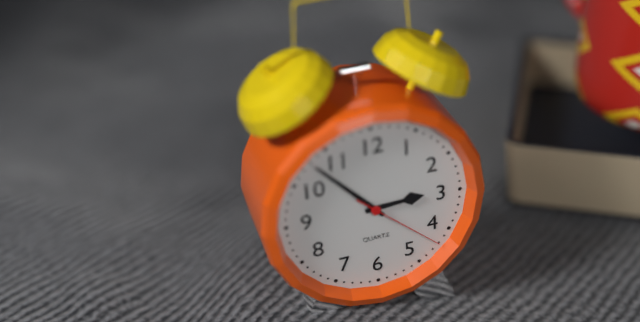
2:53:22
